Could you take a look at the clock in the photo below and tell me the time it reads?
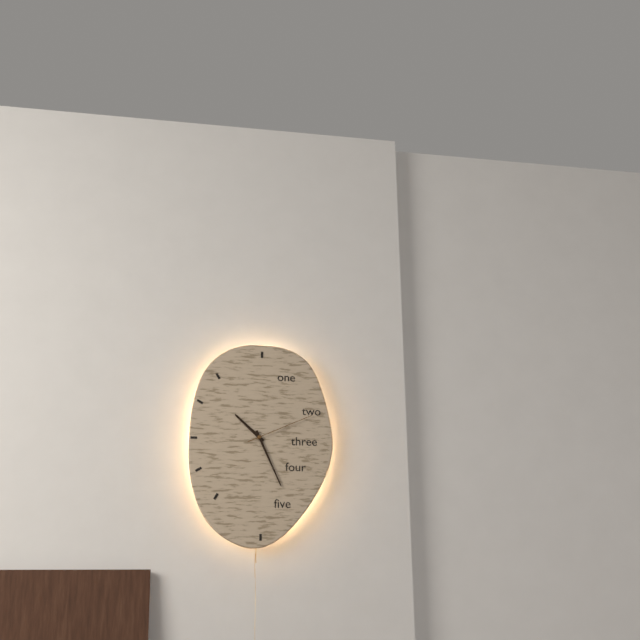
10:26:11
